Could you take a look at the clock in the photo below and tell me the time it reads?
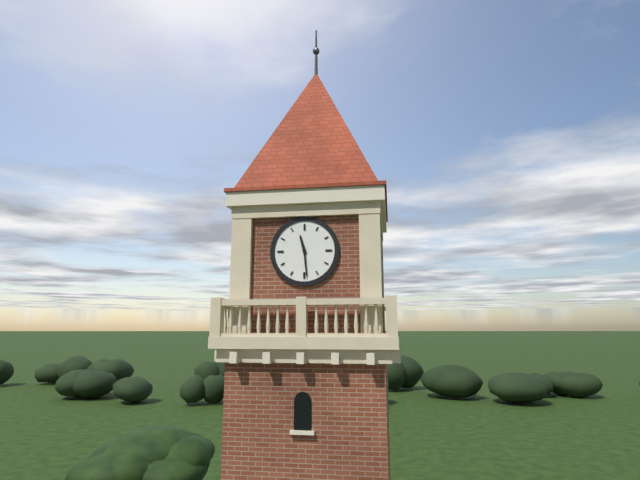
11:29
